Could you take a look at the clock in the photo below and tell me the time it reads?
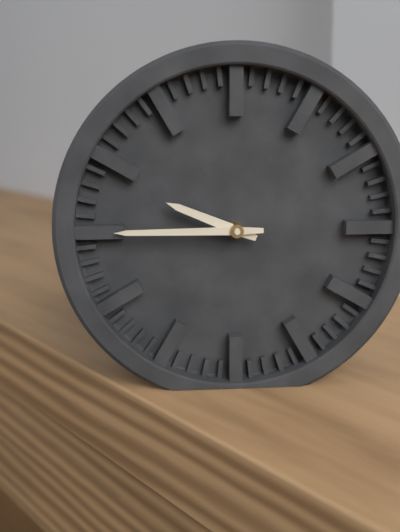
9:45
